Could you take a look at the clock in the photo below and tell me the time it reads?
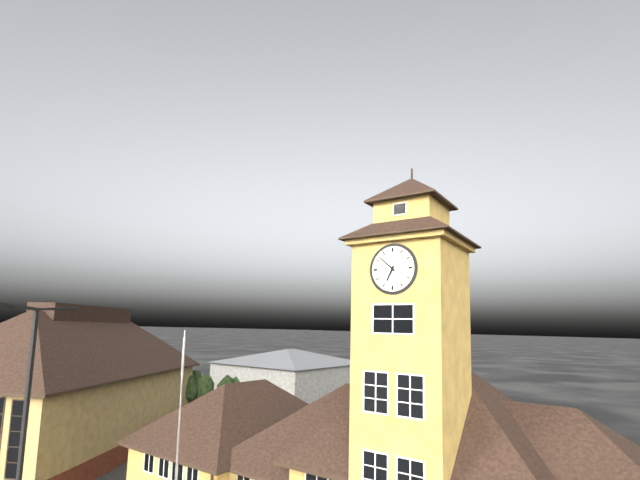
6:52
